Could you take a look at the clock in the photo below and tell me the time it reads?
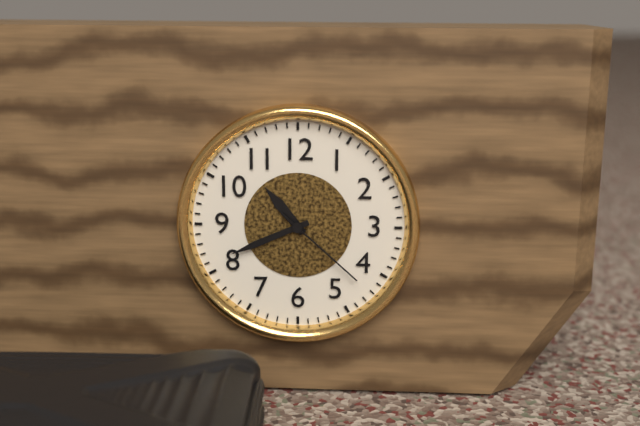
10:41:22
